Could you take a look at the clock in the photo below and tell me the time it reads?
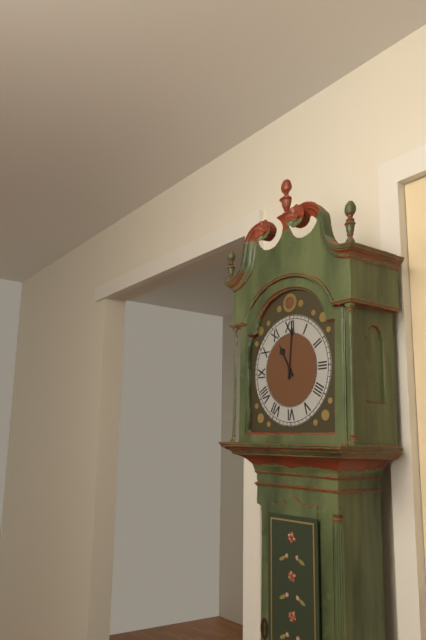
11:01
